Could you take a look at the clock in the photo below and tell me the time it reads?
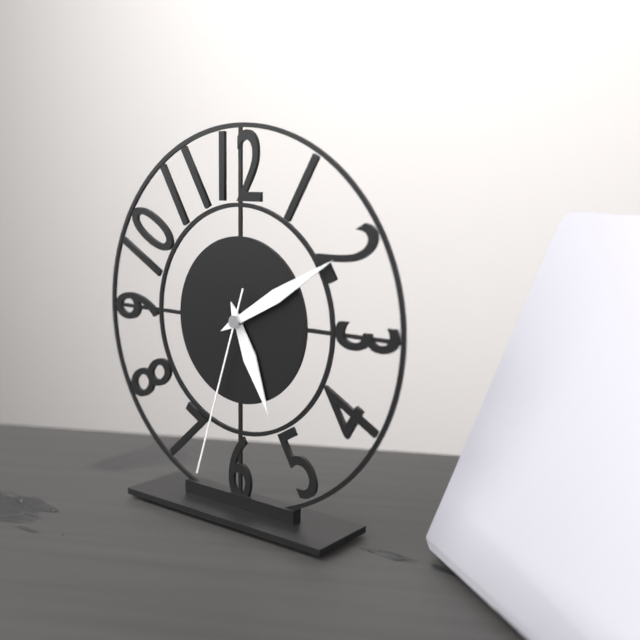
5:10:33
